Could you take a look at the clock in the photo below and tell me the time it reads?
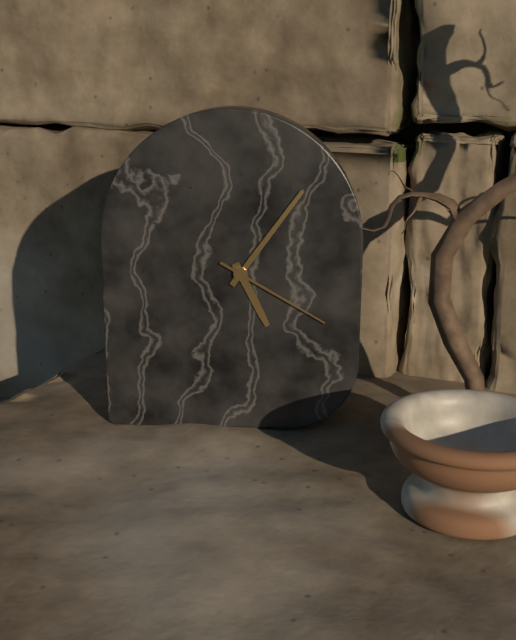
5:06:20
